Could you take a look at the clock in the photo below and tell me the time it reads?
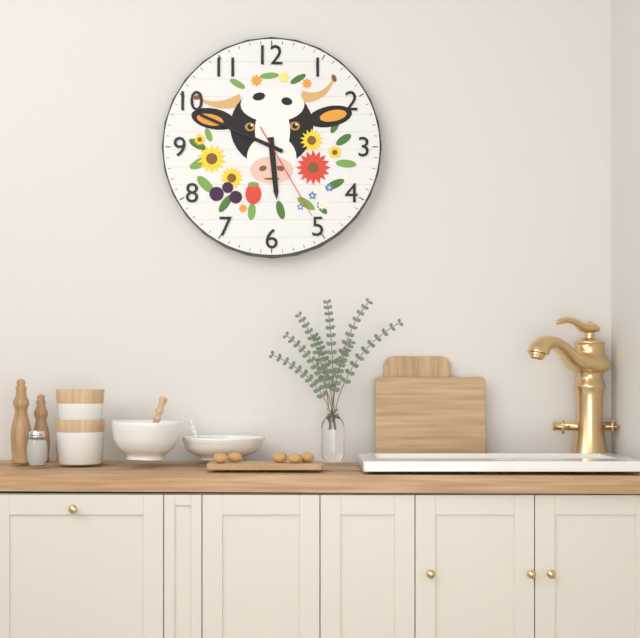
5:49:25
